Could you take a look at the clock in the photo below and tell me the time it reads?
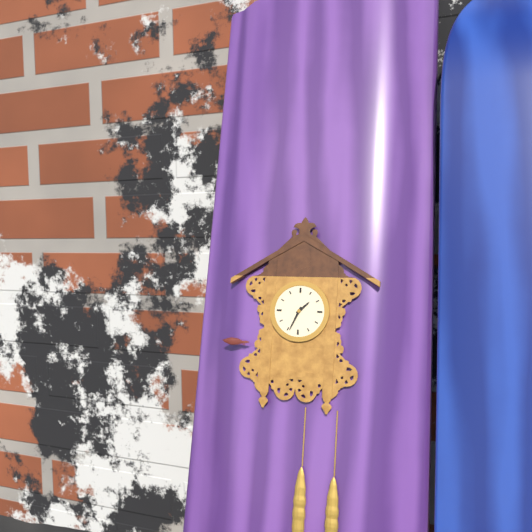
1:34
